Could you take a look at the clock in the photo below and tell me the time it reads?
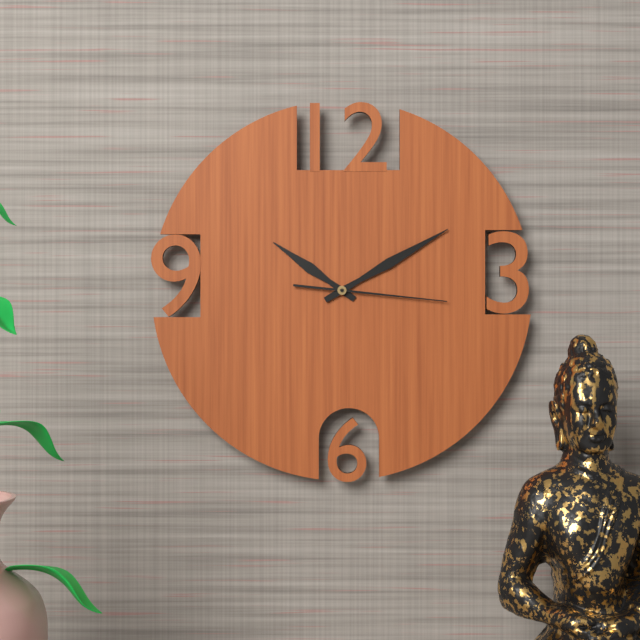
10:10:16
